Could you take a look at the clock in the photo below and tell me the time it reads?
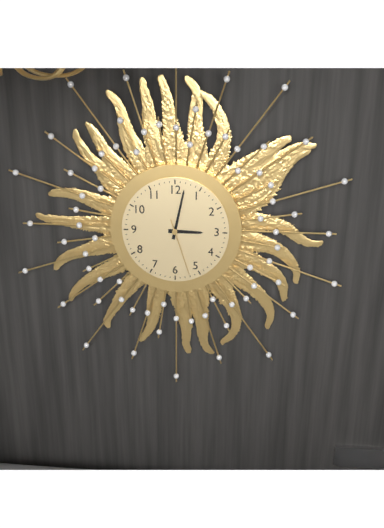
3:02:27
